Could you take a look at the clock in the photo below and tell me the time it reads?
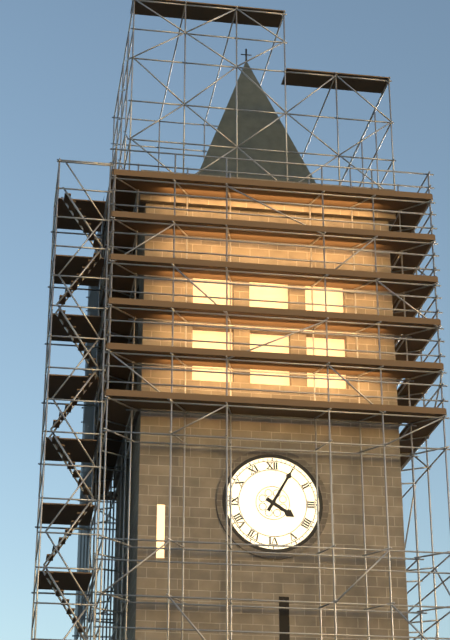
4:05
